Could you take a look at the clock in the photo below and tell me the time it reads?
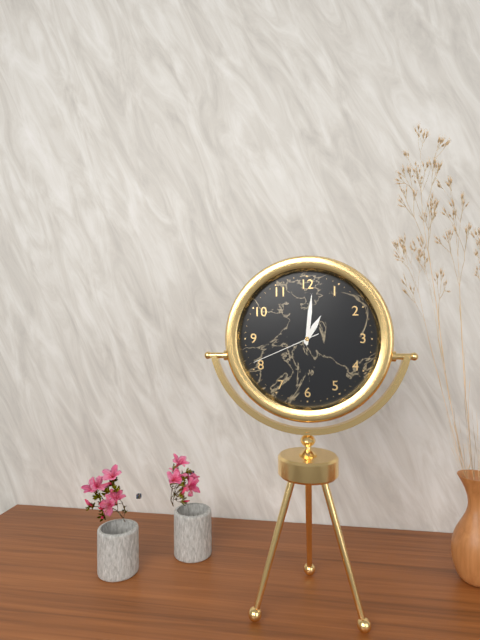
1:01:41
